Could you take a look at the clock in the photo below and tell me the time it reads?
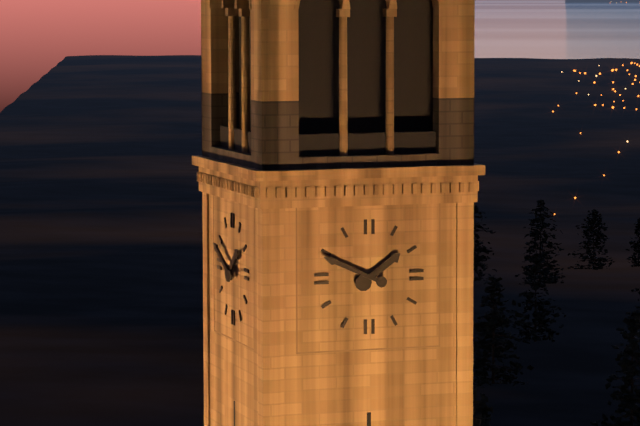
1:49
